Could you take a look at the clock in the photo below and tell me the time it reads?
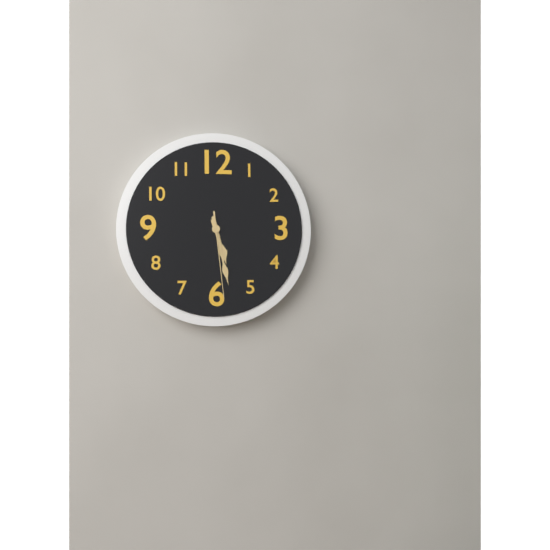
5:28:29
